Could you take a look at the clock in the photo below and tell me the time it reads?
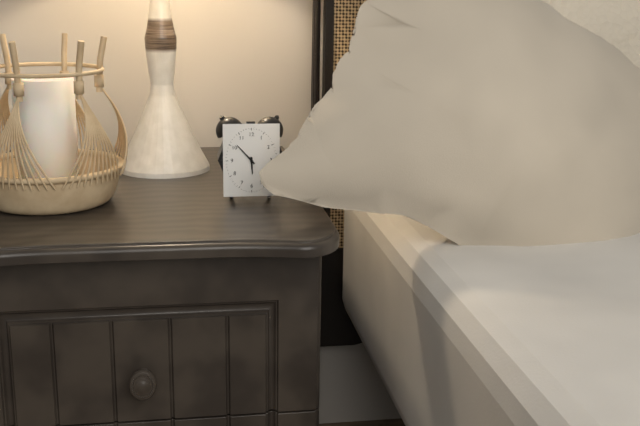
5:53
